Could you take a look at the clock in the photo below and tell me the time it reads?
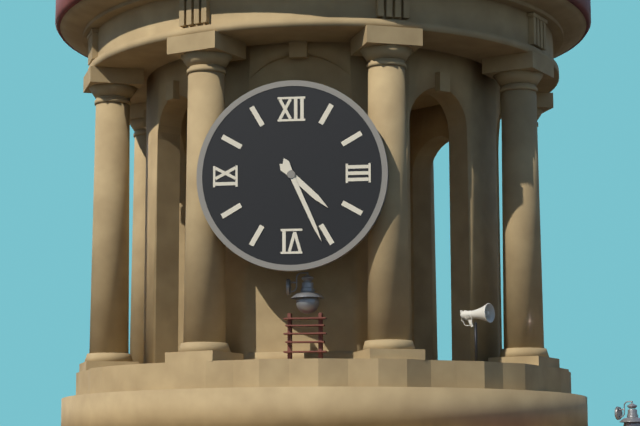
4:26
